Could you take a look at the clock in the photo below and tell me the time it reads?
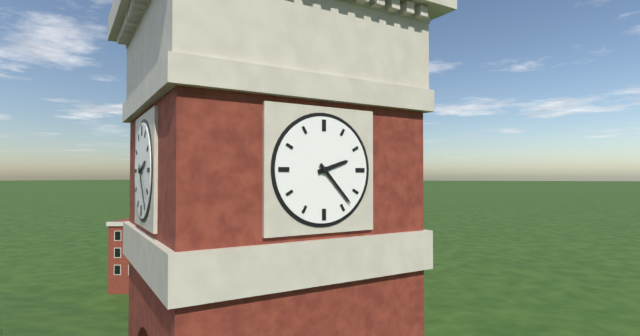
2:23
